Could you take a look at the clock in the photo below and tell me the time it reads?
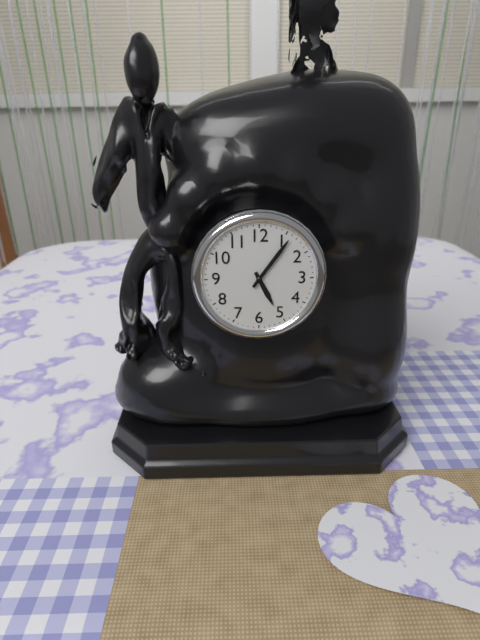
5:06
